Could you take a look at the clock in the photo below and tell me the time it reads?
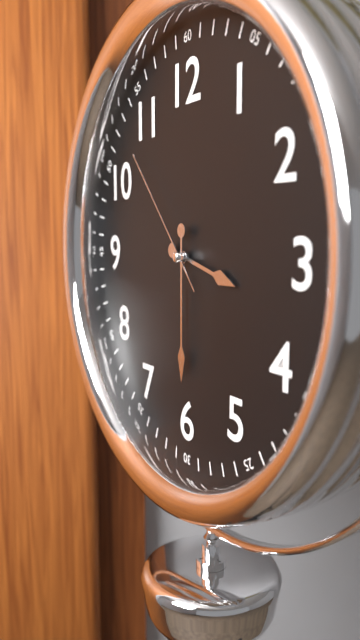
3:30:53
